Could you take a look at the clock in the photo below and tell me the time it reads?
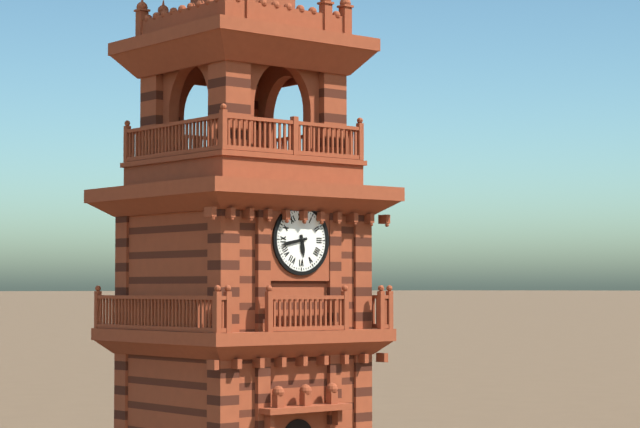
5:43
